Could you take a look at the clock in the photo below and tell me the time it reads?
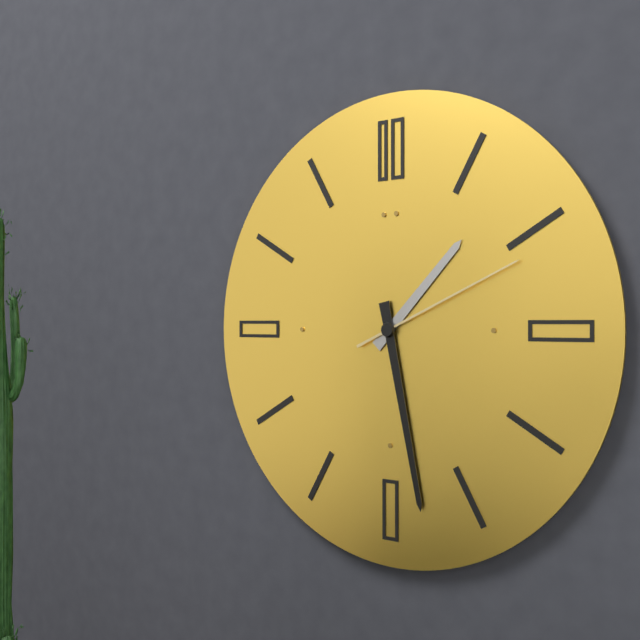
1:28:11
